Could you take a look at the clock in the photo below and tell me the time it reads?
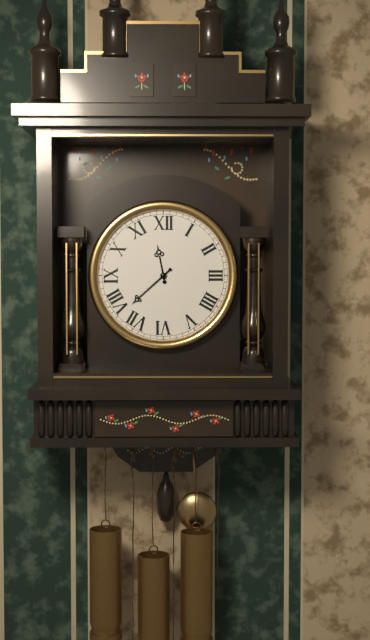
11:38
